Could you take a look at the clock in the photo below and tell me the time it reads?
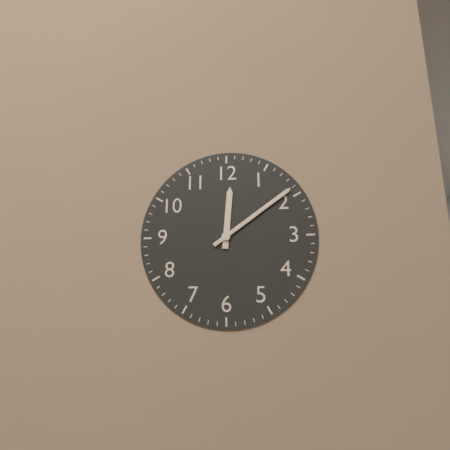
12:09
